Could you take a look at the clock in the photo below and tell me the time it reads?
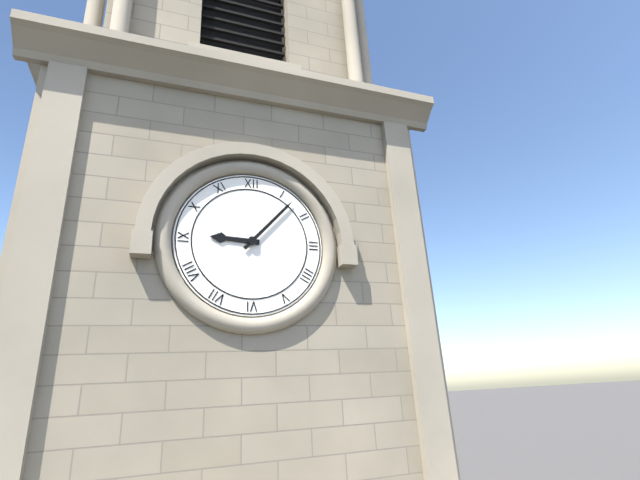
9:07
